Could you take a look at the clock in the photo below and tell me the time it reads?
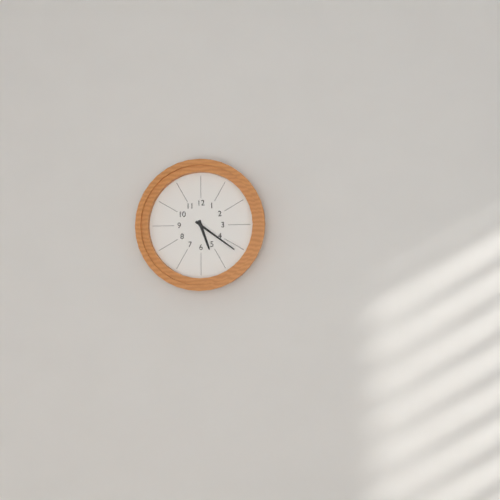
5:21
